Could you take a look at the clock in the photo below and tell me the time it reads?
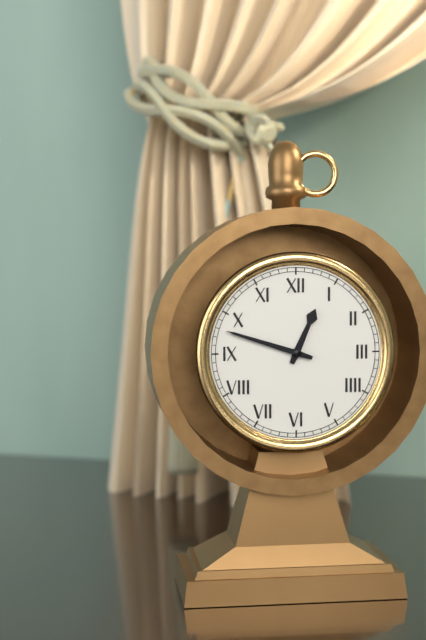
12:48
